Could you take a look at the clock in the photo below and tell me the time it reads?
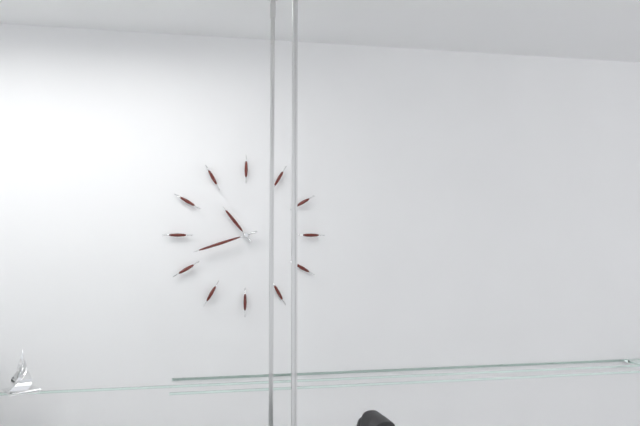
10:42
